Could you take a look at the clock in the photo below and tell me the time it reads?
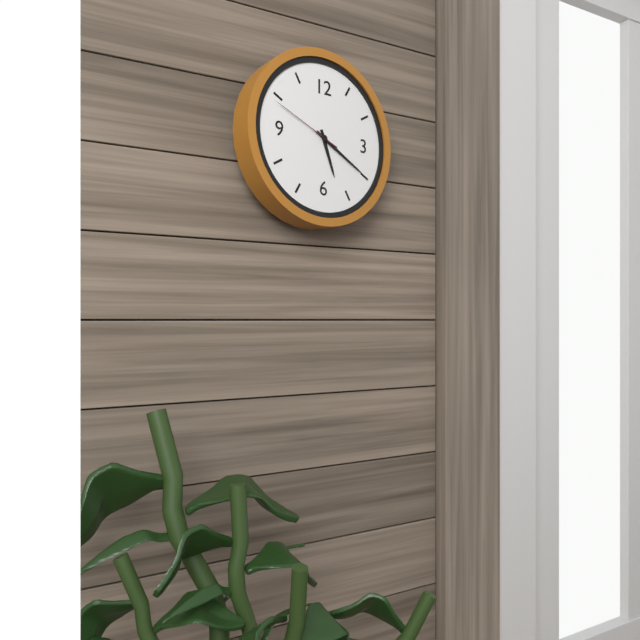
5:20:49
